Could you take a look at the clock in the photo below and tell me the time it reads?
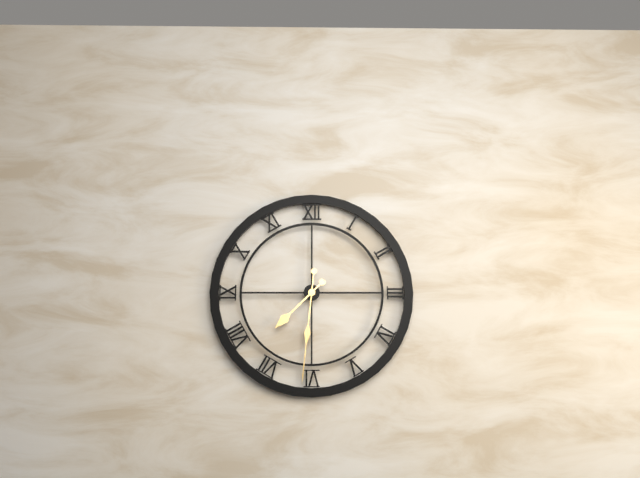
7:31
